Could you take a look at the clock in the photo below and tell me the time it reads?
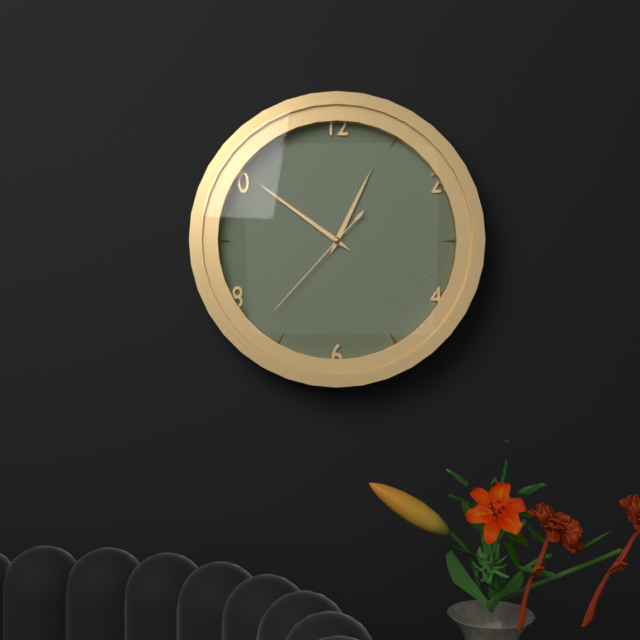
12:51:37
